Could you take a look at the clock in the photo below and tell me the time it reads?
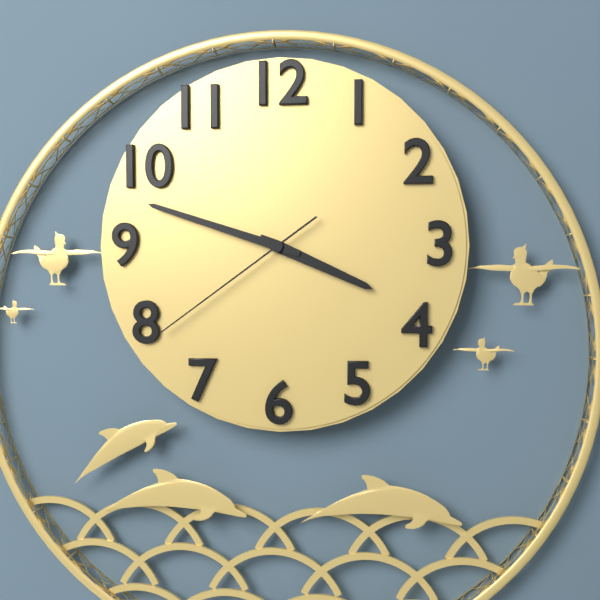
3:48:39
